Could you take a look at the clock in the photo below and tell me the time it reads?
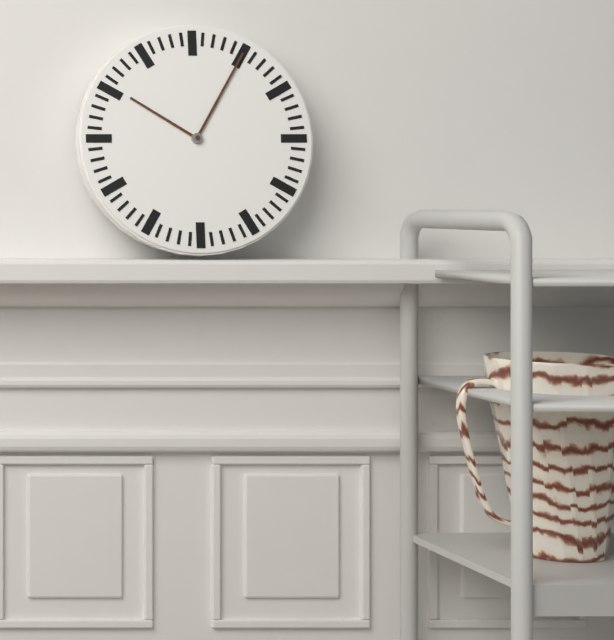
10:05
